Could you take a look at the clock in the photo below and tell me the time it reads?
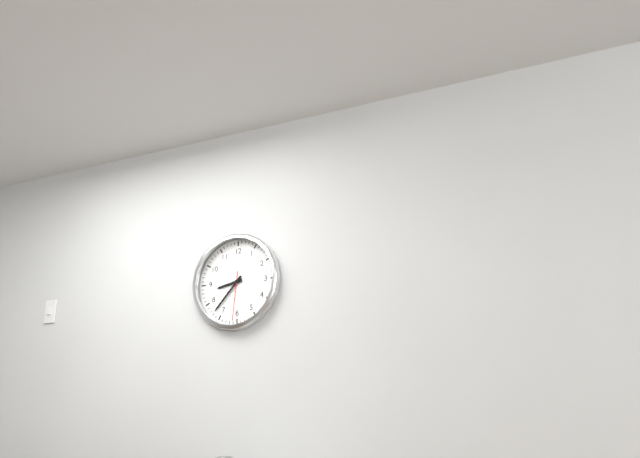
8:37
